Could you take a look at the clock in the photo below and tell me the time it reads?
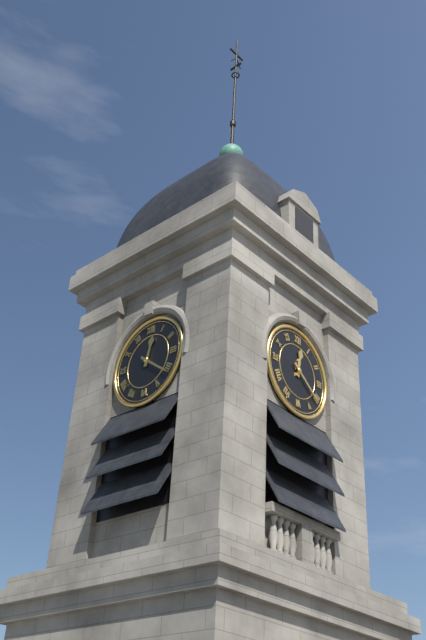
12:21
